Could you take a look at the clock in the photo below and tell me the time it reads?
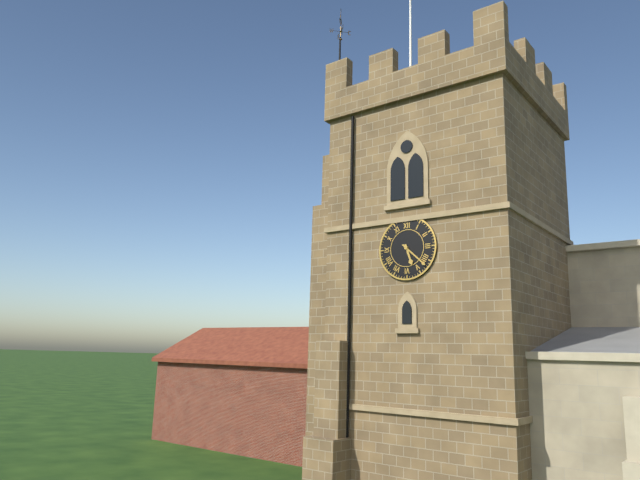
5:22
